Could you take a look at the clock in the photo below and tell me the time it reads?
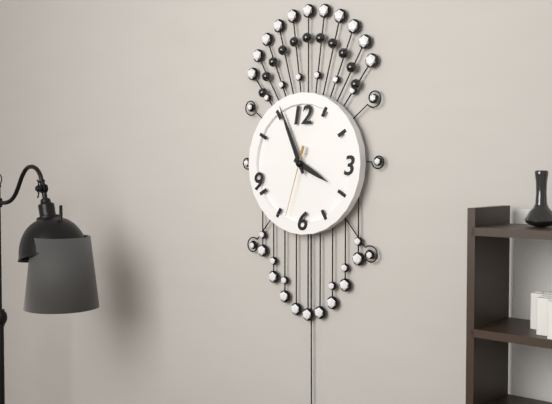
3:56:33
